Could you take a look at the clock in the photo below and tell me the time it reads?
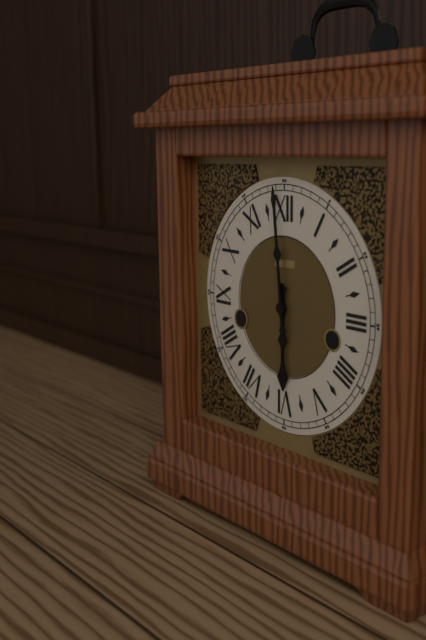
5:59
